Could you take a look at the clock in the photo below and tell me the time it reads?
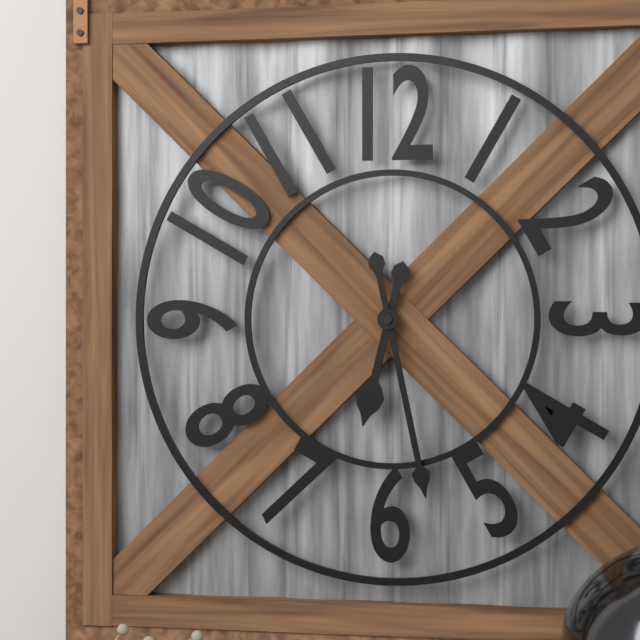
6:28
